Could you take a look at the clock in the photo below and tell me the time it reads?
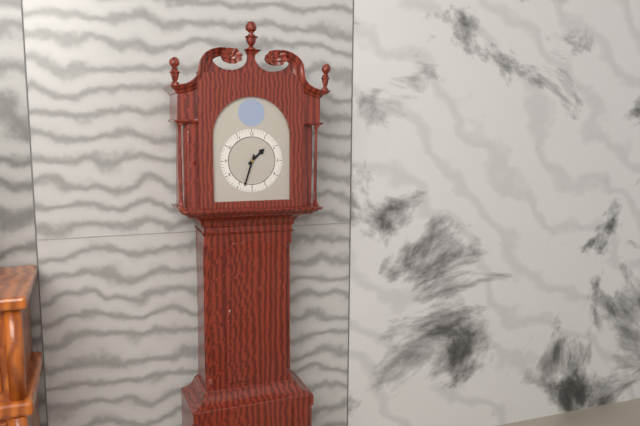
1:33
